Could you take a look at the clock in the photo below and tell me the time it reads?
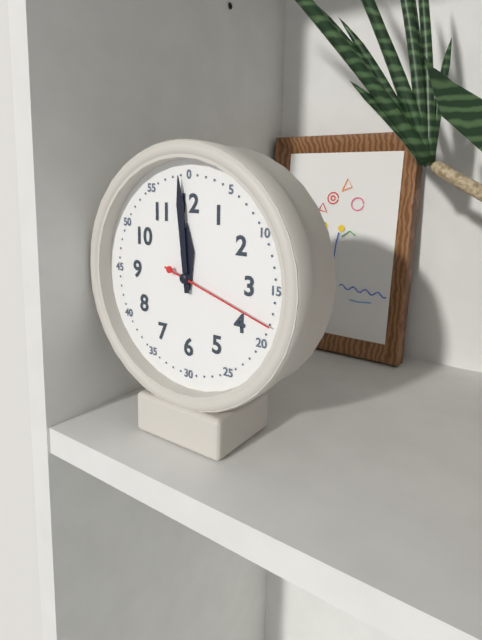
11:59:18
